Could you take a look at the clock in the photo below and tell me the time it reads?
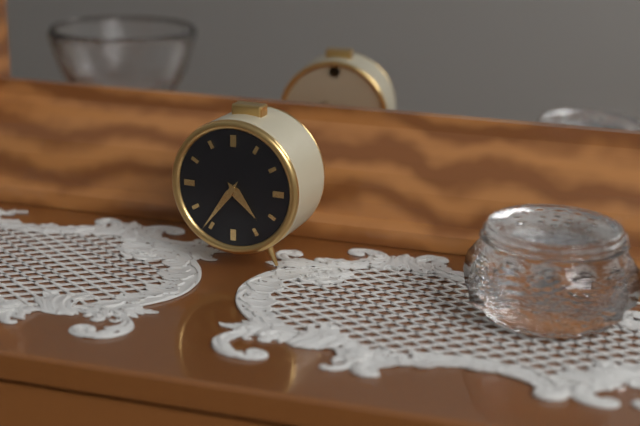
4:36
